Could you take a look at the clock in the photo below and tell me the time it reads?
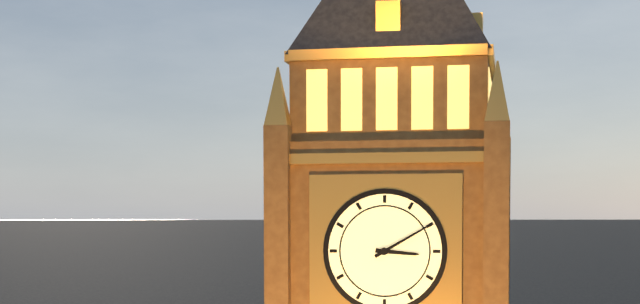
3:10
